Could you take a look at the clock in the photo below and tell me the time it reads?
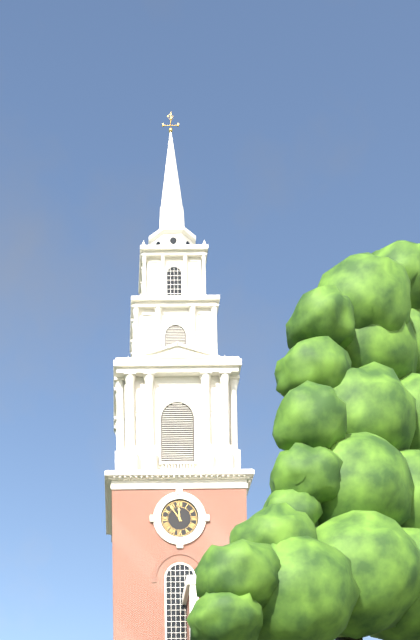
11:54
